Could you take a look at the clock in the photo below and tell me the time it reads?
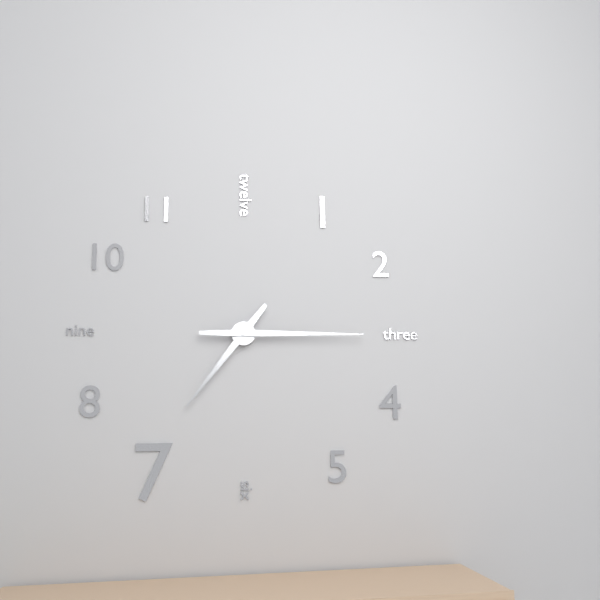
7:15
